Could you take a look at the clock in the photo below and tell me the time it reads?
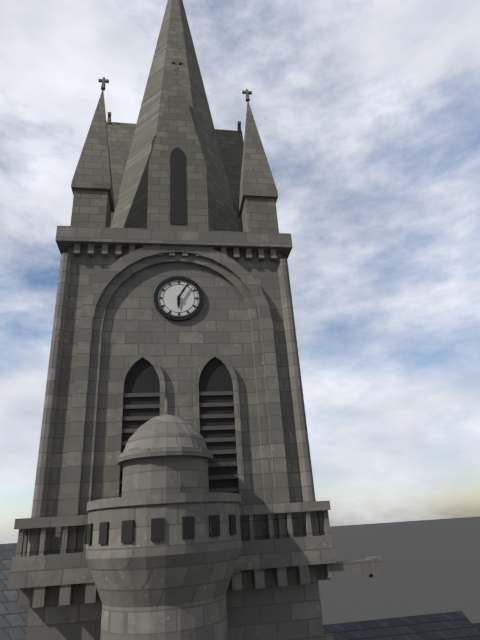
6:05
